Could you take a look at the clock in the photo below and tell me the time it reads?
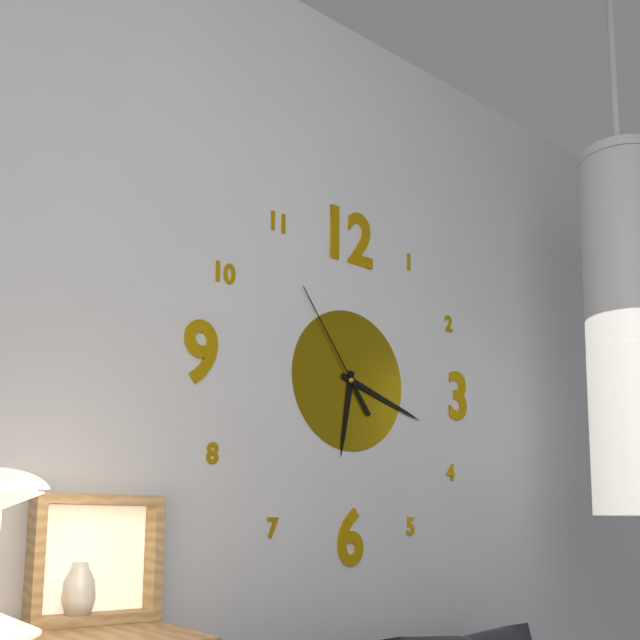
6:18:54
